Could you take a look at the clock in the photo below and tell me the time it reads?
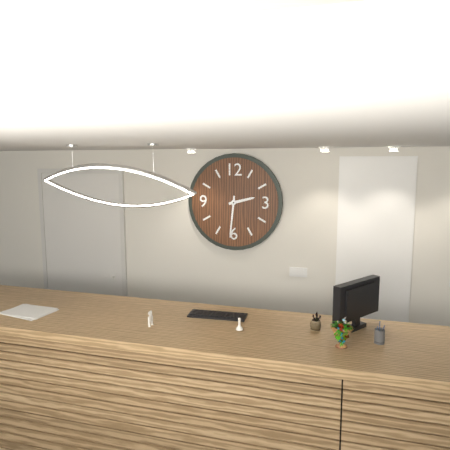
2:31
